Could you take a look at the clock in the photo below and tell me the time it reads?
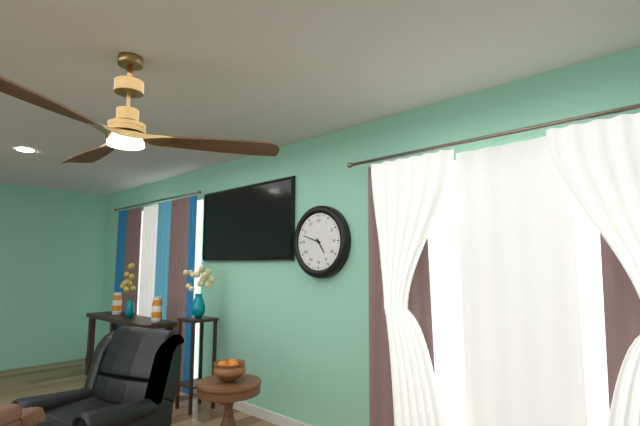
4:48
